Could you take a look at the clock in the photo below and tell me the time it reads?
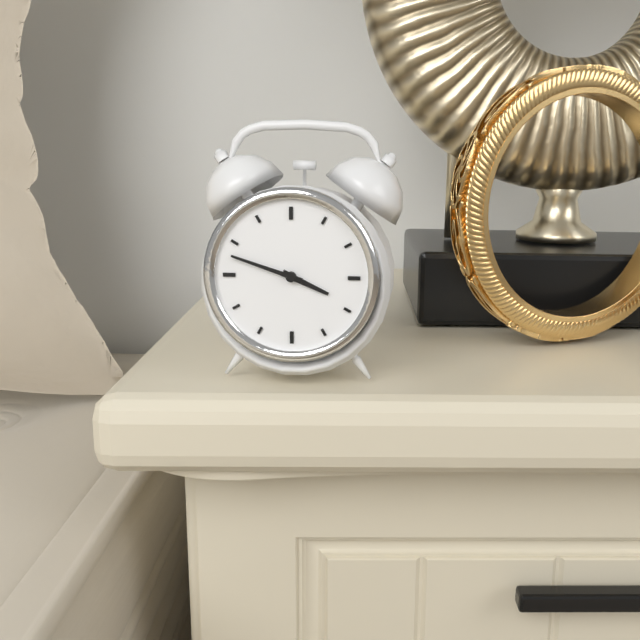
3:48
